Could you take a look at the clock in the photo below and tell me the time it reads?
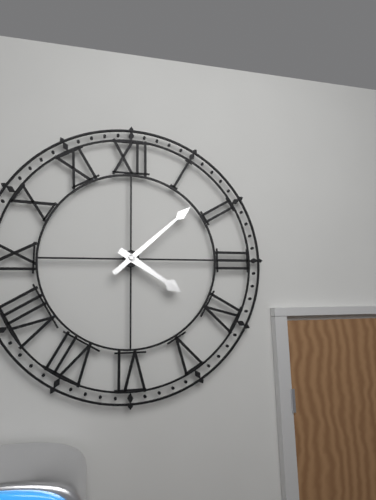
4:08
